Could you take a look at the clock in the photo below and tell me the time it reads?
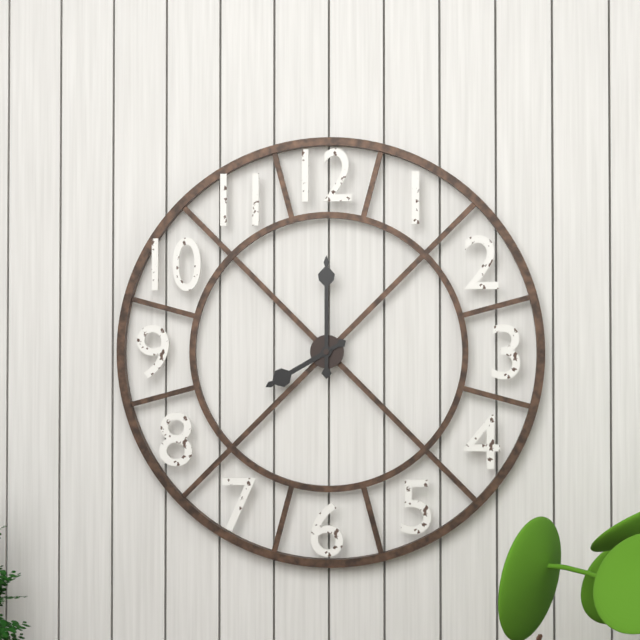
8:00
